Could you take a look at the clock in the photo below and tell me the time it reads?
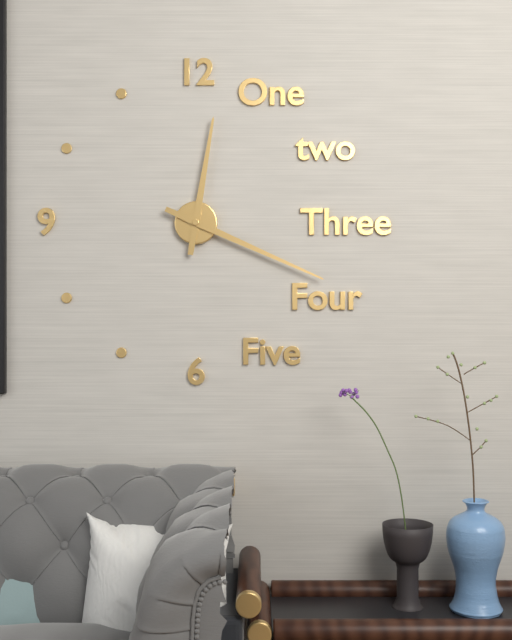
12:19
